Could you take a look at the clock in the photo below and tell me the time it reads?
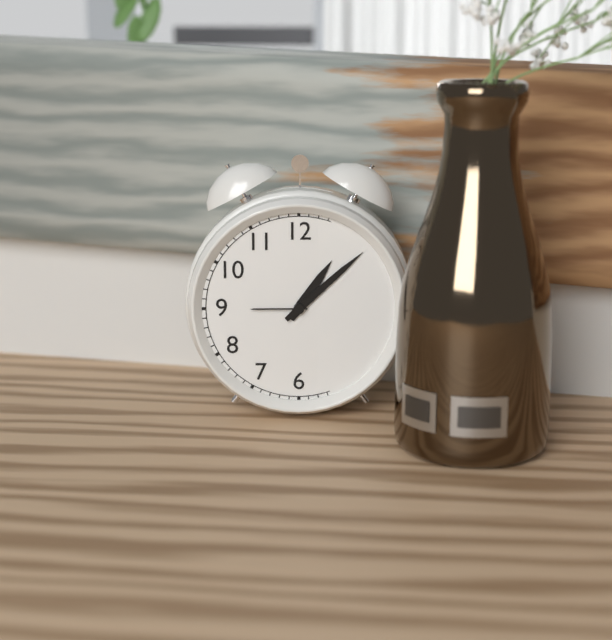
1:08
